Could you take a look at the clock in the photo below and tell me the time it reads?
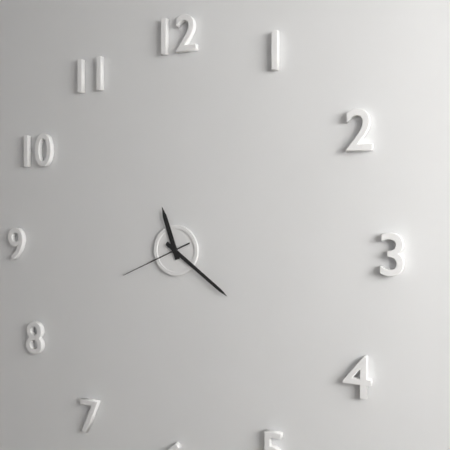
11:21:41
